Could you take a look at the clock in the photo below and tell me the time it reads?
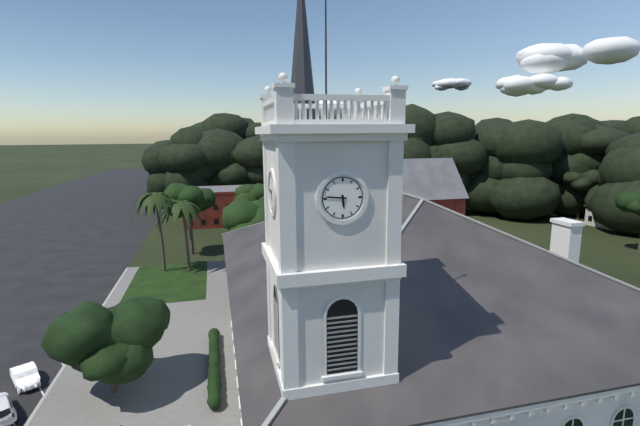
5:46
